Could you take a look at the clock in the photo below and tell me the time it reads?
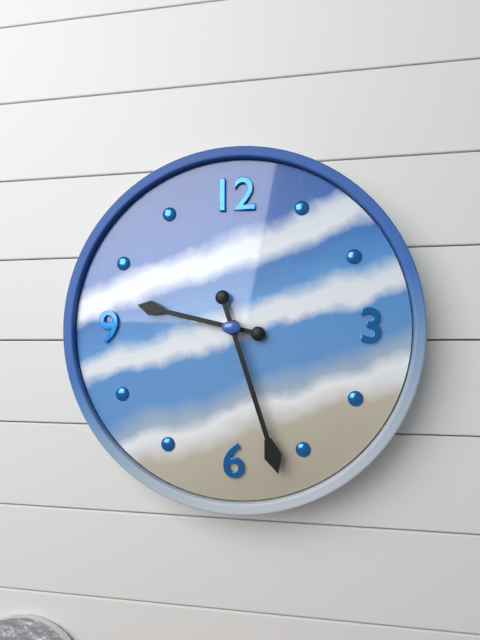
9:27
